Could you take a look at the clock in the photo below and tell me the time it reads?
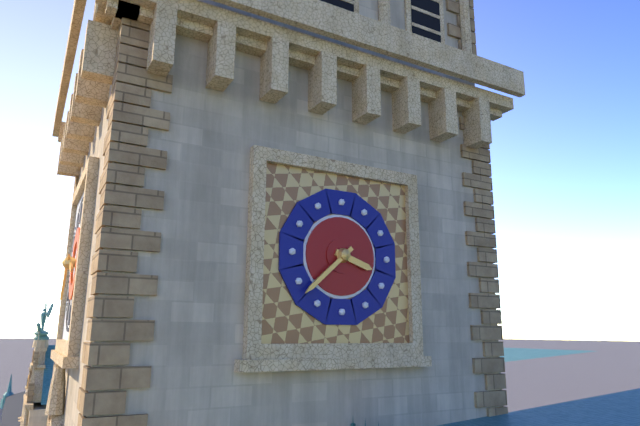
3:38
